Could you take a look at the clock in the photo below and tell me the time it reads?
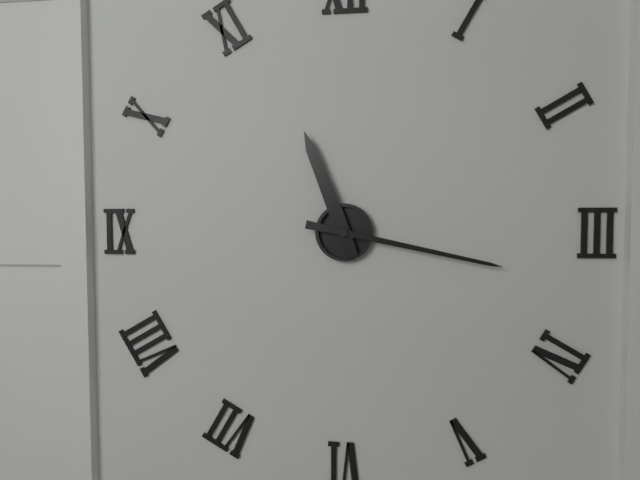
11:17
